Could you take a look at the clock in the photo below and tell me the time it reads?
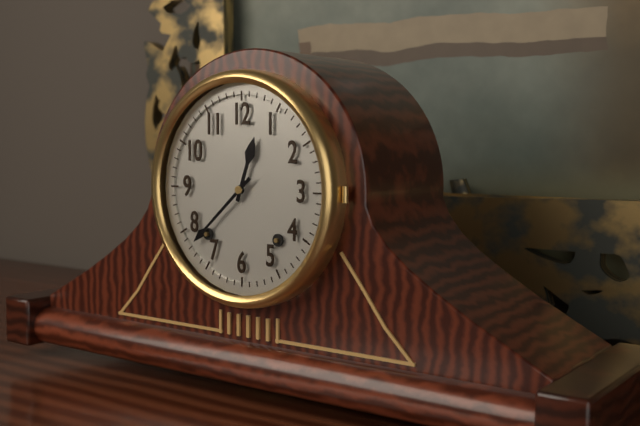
12:38
